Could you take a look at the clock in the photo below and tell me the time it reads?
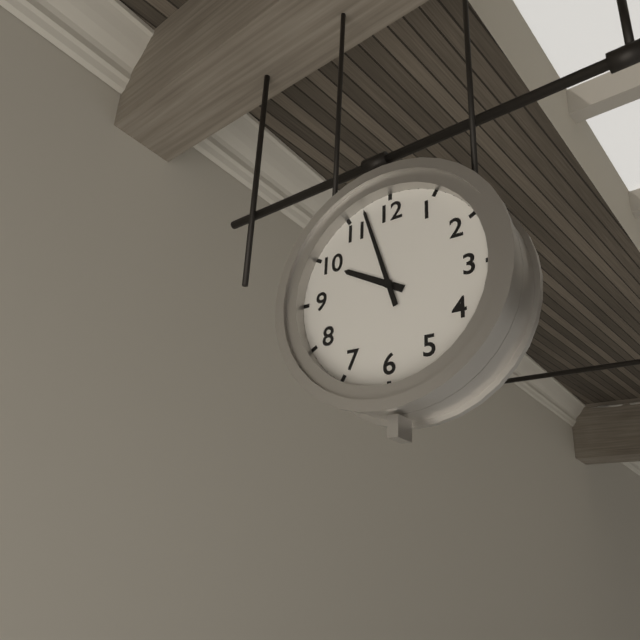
9:57
